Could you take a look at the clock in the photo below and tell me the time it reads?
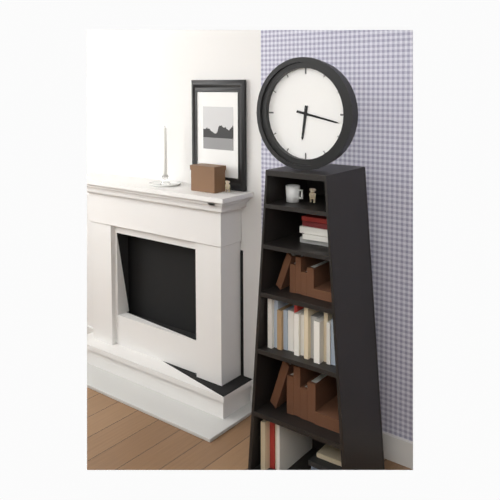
6:17
